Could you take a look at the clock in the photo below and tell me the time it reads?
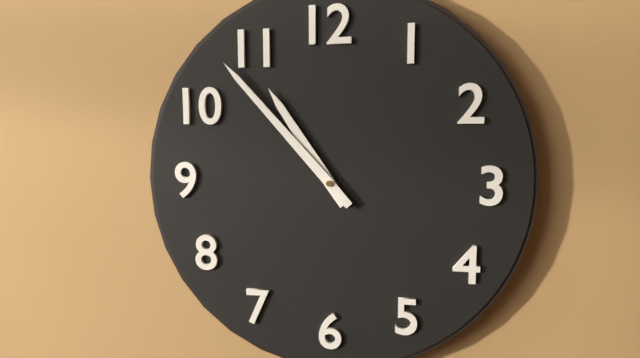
10:53
